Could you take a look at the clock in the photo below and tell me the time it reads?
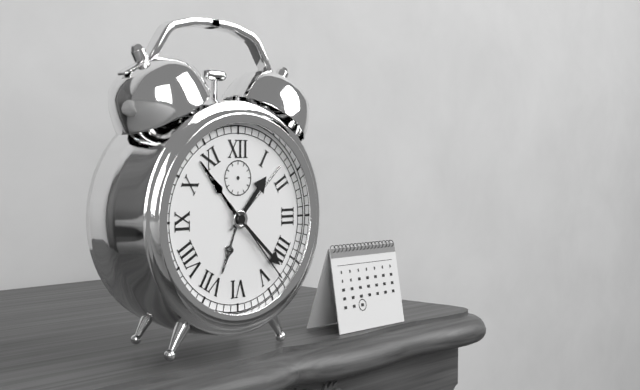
1:22:23
